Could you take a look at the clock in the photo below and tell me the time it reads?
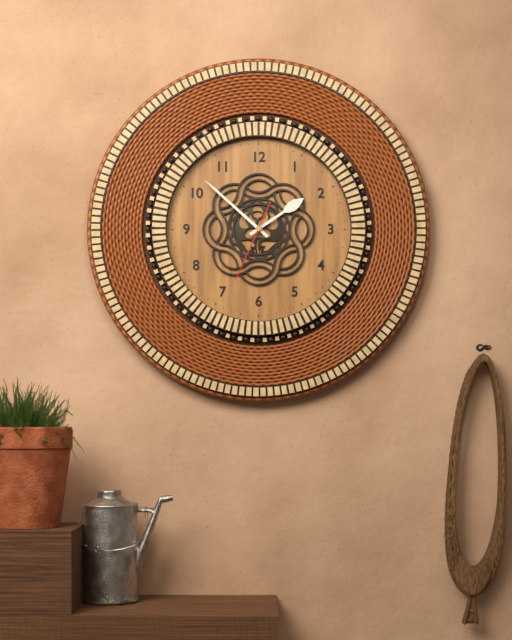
1:52:34
